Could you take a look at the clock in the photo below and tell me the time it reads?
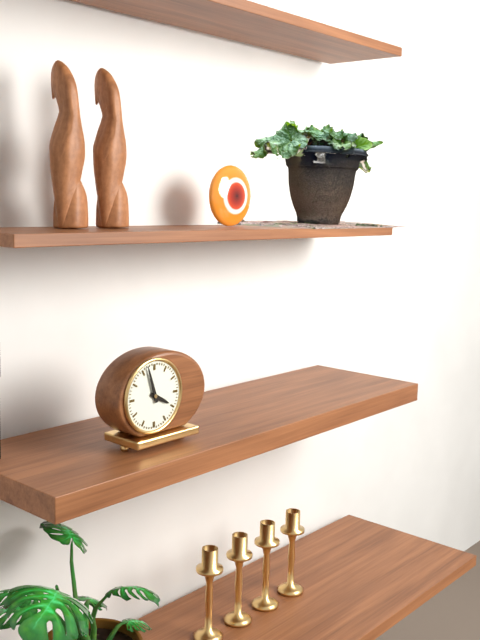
3:57
